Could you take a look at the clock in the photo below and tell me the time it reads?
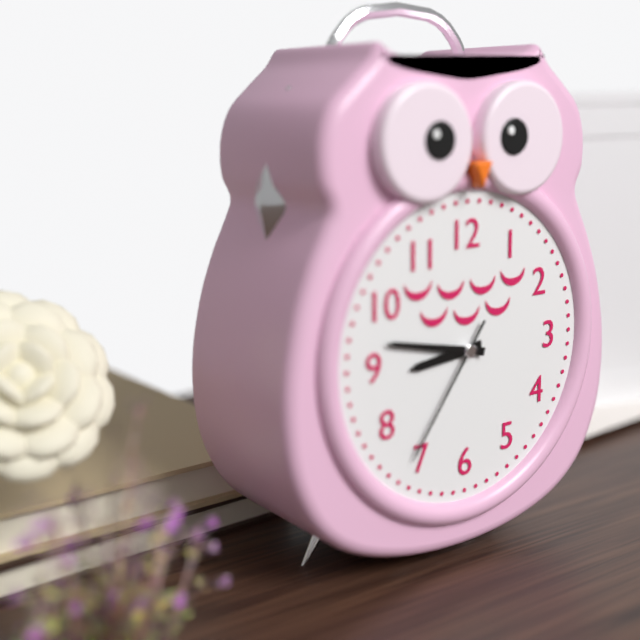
8:47:36
